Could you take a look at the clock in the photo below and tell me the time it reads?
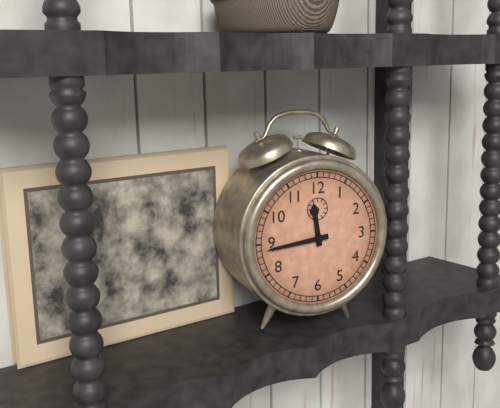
11:44
